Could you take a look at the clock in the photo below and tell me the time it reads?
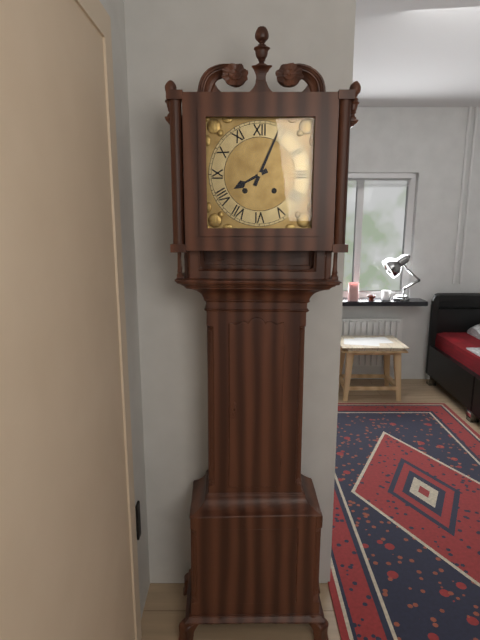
8:04
